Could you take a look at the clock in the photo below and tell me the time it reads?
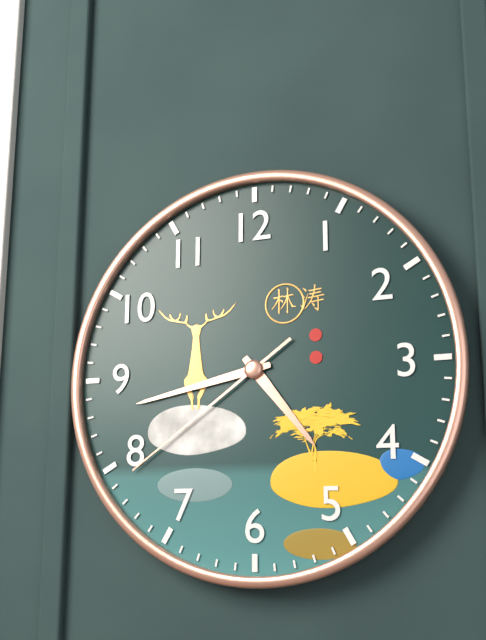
4:43:39
